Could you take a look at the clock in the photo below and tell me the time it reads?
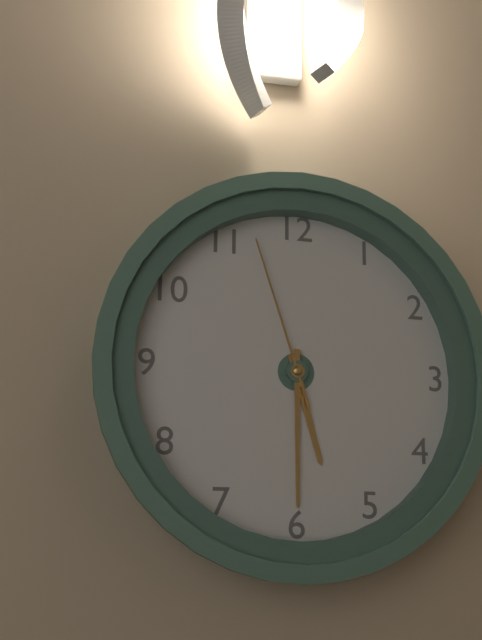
5:30:57
